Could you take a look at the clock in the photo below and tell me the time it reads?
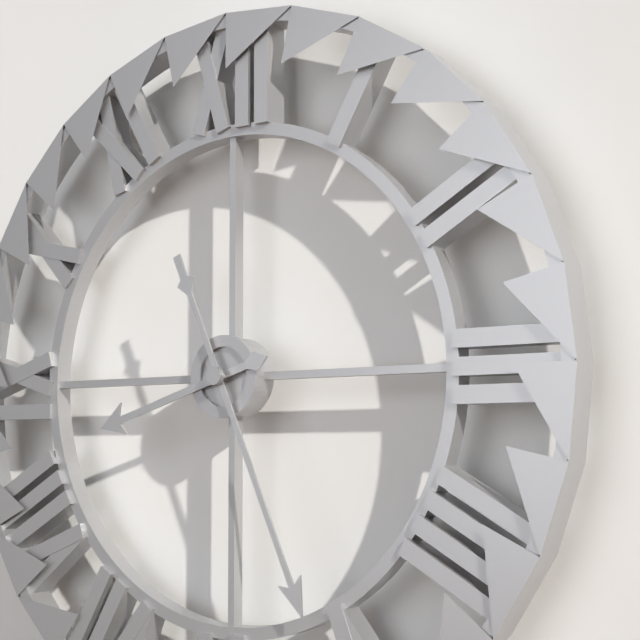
8:26
